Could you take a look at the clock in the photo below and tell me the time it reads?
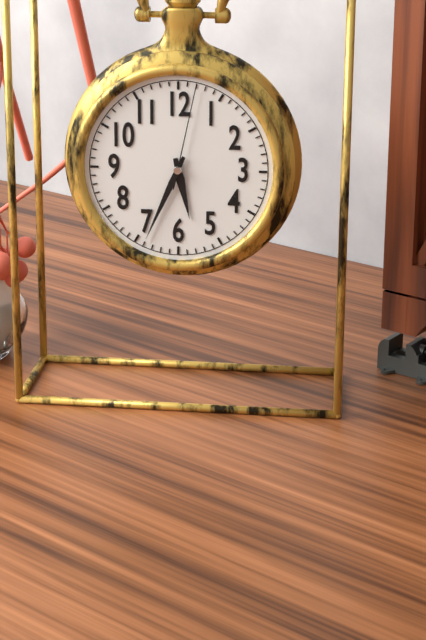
5:34:02
